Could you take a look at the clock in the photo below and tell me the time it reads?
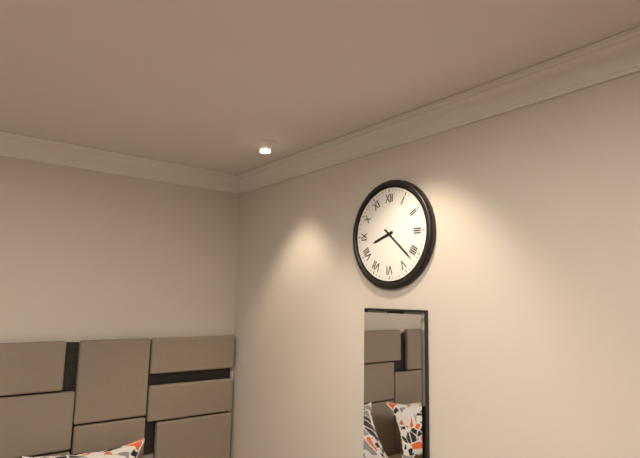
8:22
